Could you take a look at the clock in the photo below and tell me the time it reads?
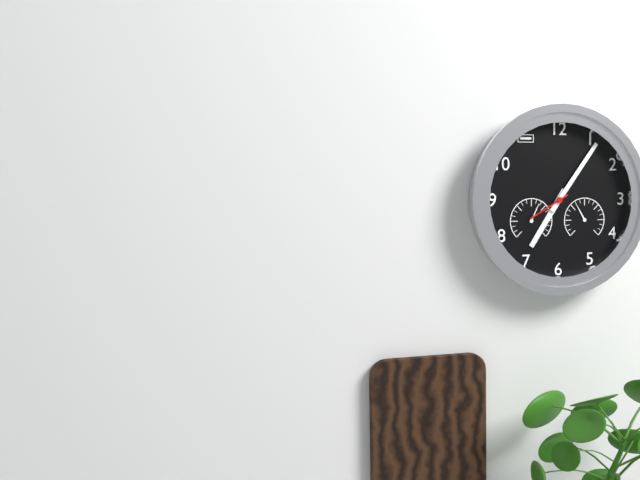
7:06
